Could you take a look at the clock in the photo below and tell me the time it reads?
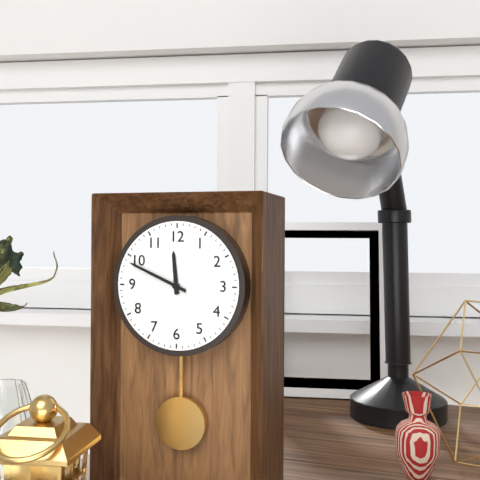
11:49
